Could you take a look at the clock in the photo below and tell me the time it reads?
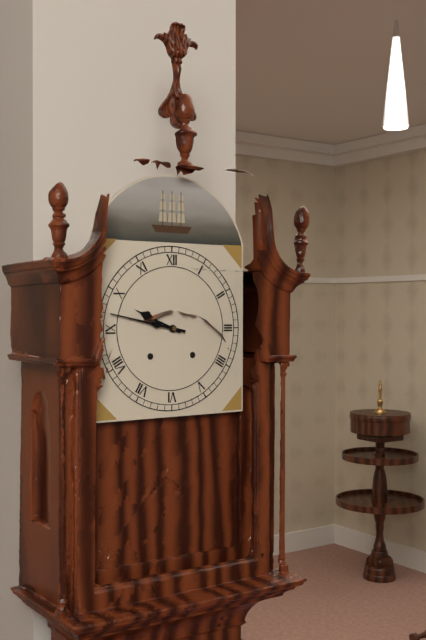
9:47
